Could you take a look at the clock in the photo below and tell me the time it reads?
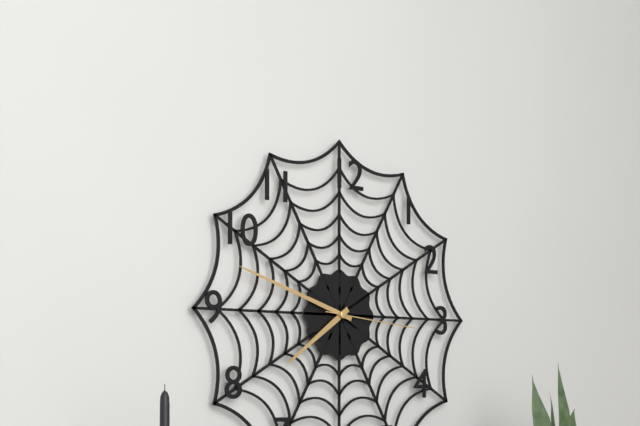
7:48:16
